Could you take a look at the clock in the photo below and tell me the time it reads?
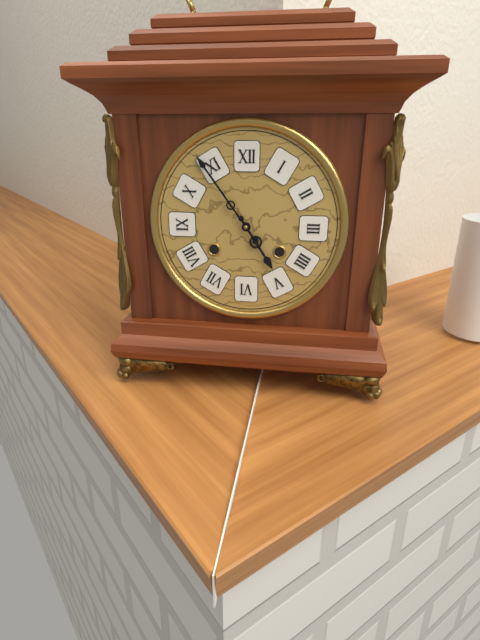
4:54
